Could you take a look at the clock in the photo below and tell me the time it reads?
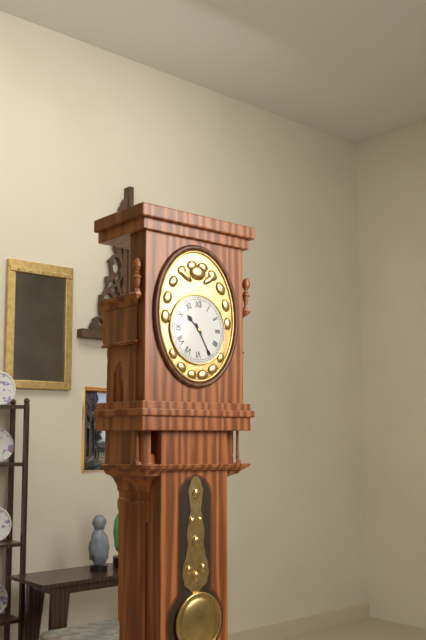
10:25
